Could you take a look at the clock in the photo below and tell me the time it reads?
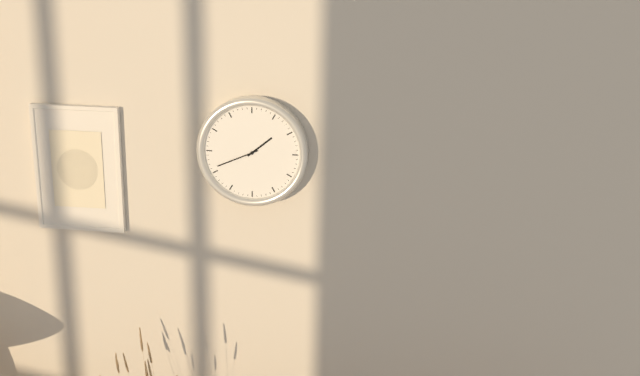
1:41
